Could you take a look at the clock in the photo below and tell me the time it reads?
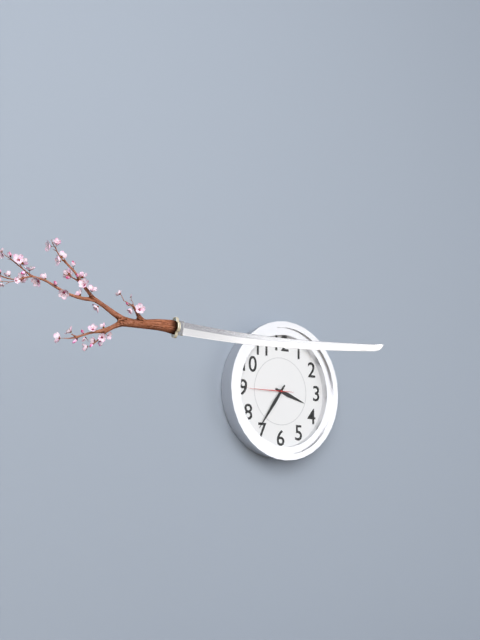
3:36
